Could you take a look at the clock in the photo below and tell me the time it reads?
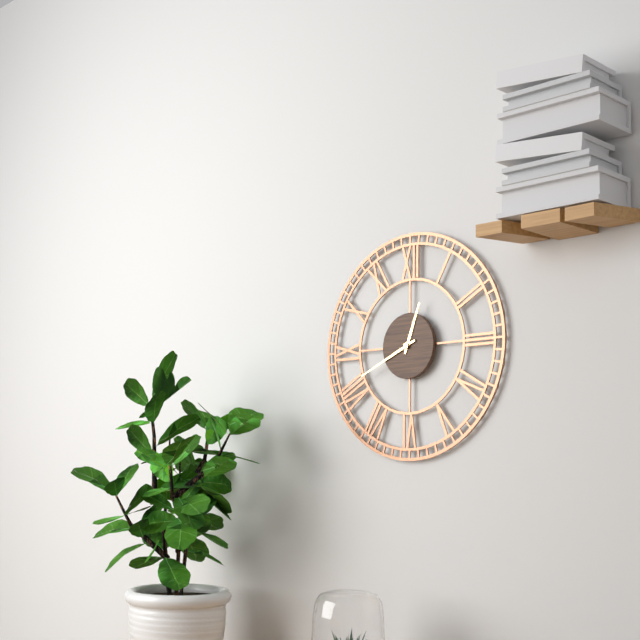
12:41
